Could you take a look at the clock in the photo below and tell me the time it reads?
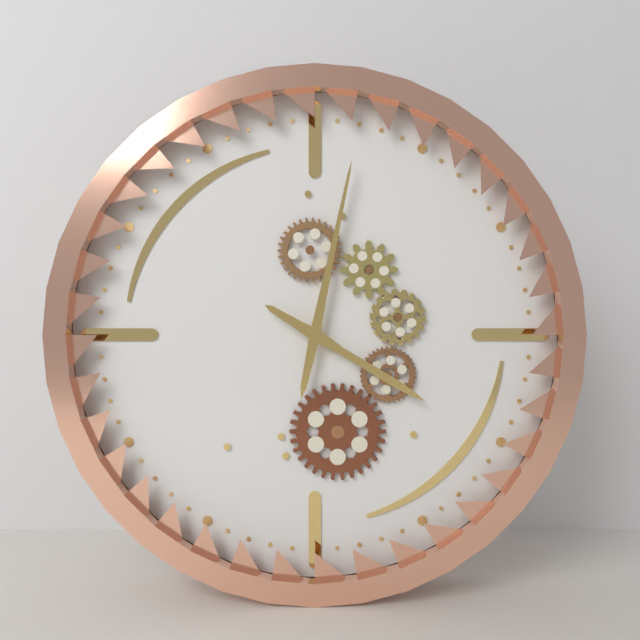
4:02
